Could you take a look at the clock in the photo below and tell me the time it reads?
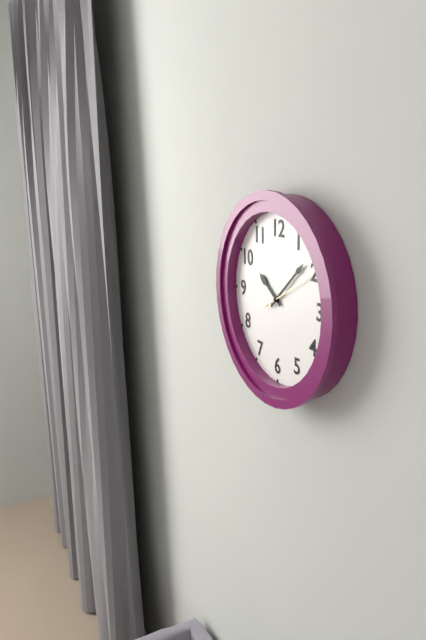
10:08:10
